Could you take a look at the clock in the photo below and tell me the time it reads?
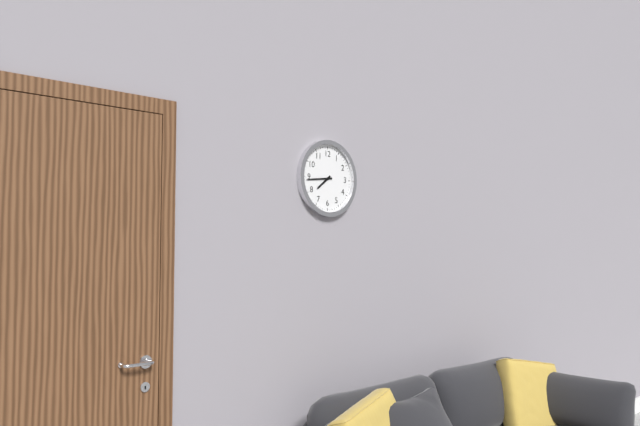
7:44
